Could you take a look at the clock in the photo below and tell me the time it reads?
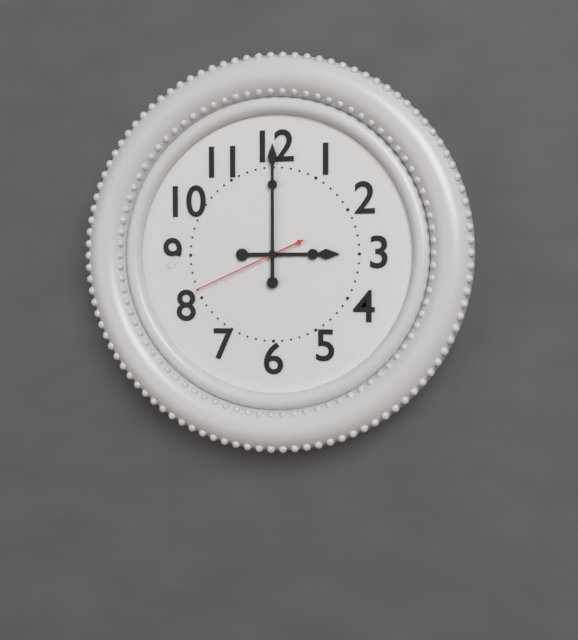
3:00:41
